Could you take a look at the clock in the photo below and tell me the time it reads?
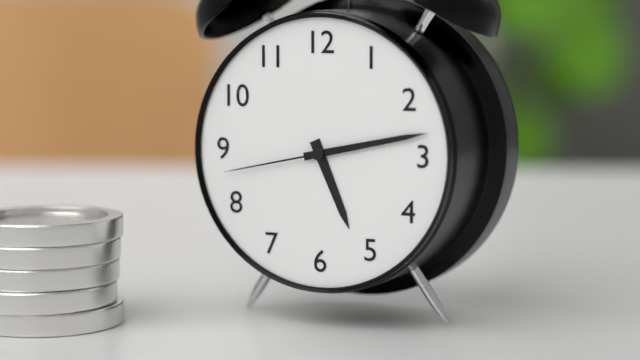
5:13:43
